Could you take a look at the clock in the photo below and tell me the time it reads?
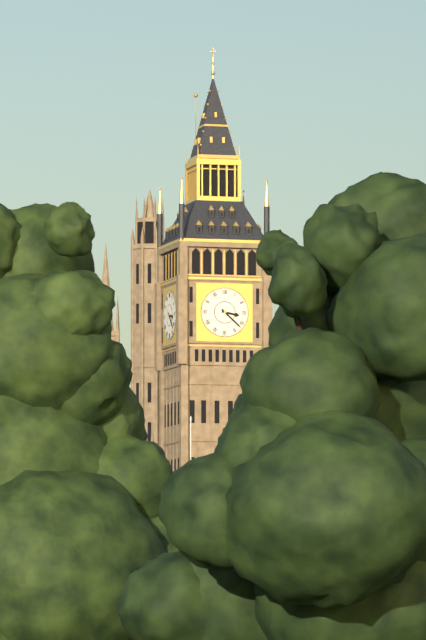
3:22
